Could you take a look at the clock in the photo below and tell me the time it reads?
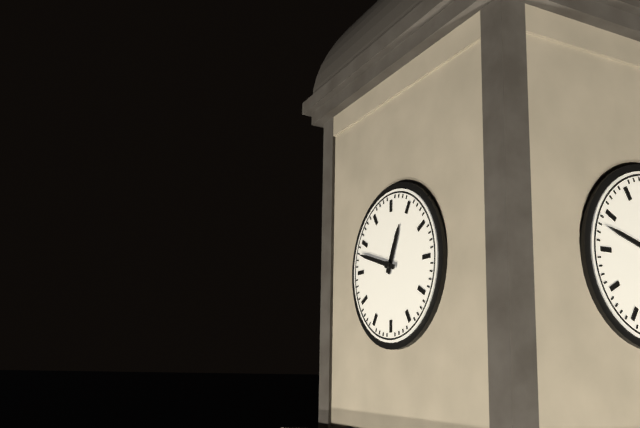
12:48
